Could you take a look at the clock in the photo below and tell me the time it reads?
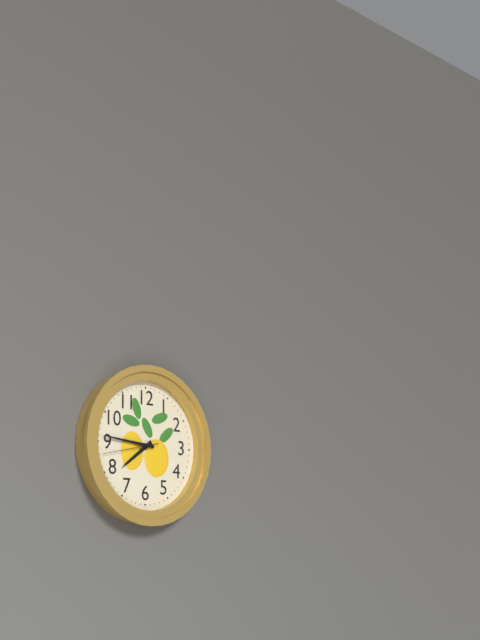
7:46:43
